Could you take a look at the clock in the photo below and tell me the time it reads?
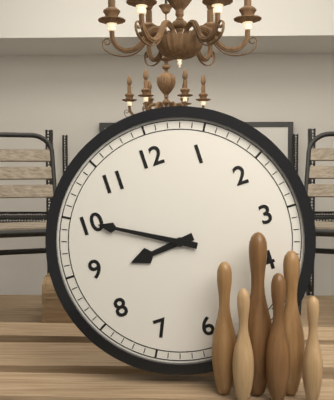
8:50
